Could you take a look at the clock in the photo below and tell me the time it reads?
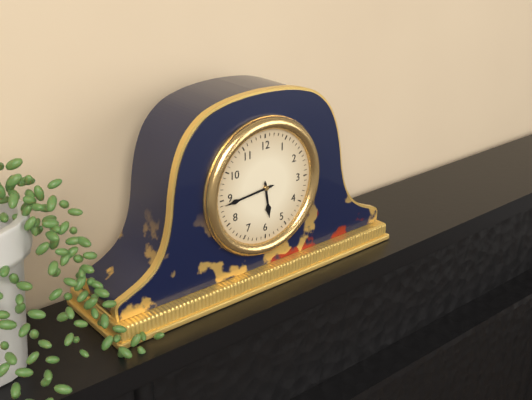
5:44
